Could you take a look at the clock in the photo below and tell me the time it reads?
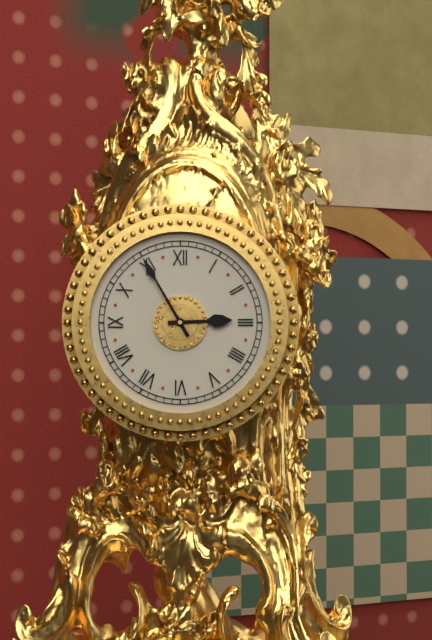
2:55
